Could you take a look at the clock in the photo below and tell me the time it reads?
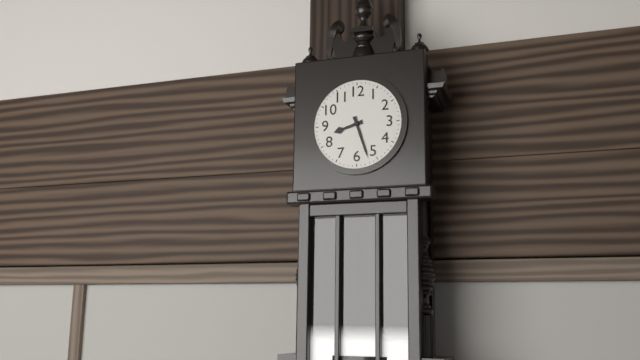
8:27
